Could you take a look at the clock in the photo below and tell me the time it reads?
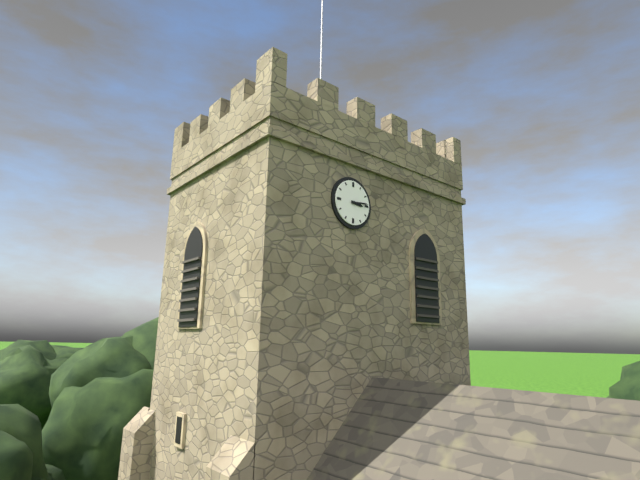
3:14
